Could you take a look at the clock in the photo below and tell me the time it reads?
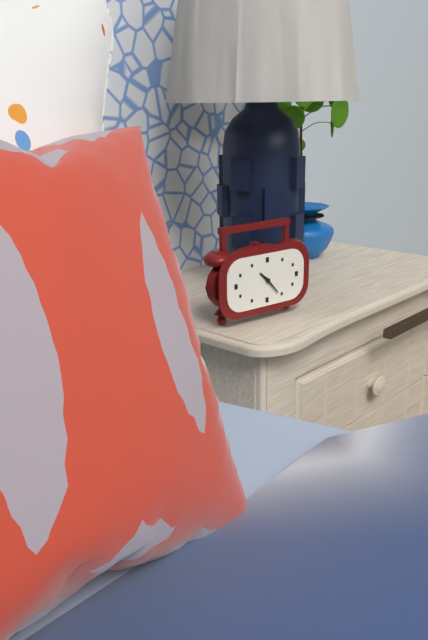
10:23
